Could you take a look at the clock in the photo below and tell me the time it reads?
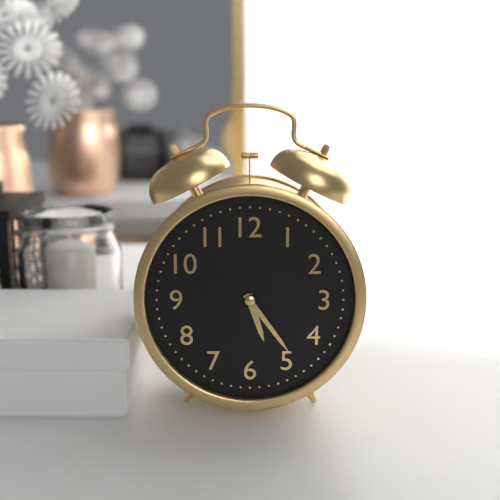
5:24
